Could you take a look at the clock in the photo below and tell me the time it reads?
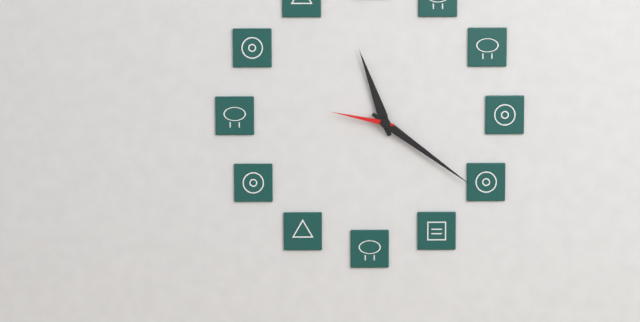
11:21:47
